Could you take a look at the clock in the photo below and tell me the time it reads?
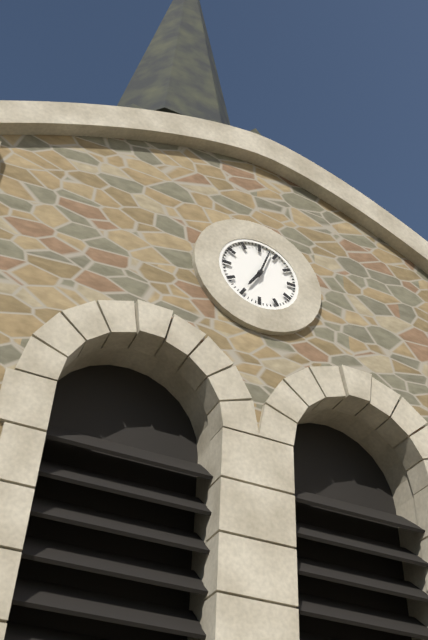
7:03
